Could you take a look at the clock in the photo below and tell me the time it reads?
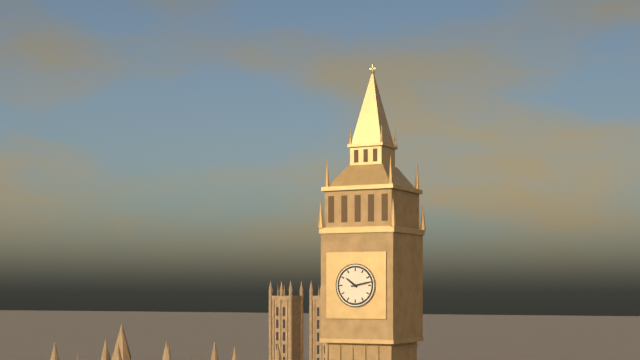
10:13
